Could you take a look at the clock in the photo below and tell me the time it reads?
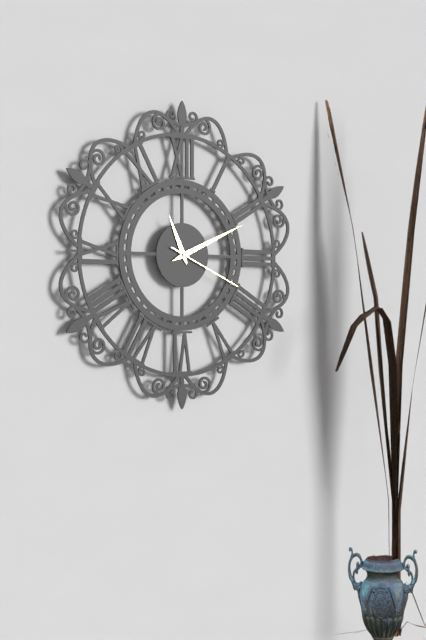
11:11:19
